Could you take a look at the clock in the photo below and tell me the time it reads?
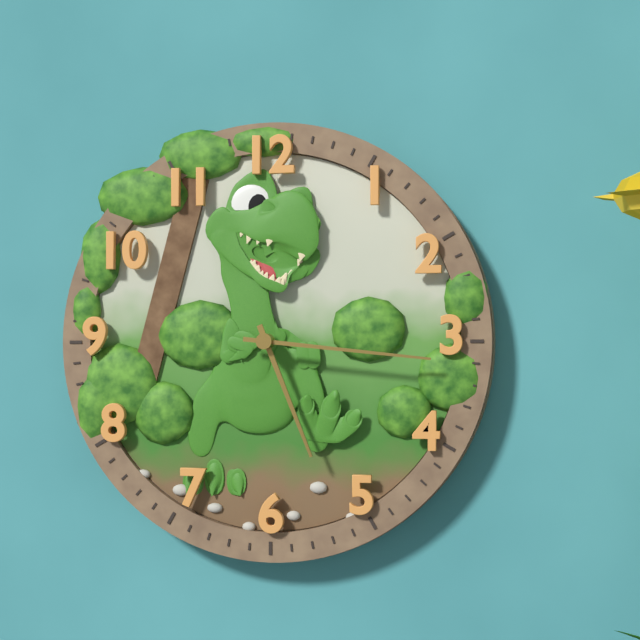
5:16
